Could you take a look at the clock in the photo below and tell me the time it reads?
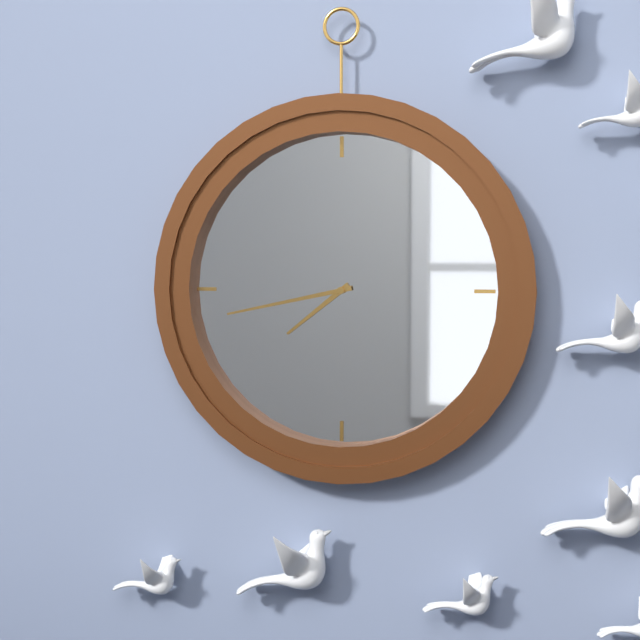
7:43
